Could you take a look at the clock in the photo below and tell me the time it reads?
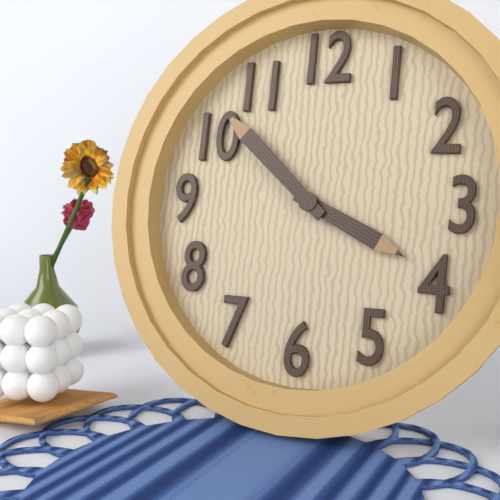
3:52
